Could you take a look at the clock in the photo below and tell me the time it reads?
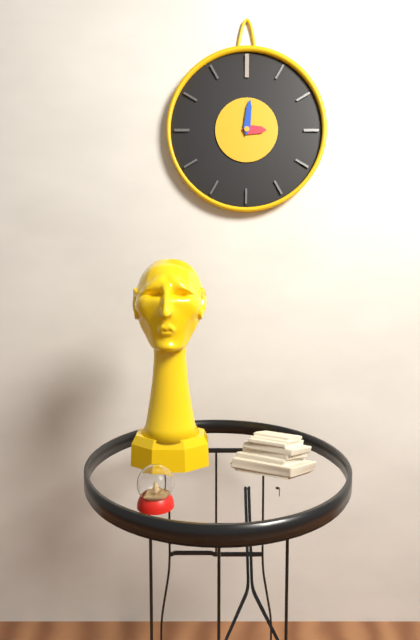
3:01
